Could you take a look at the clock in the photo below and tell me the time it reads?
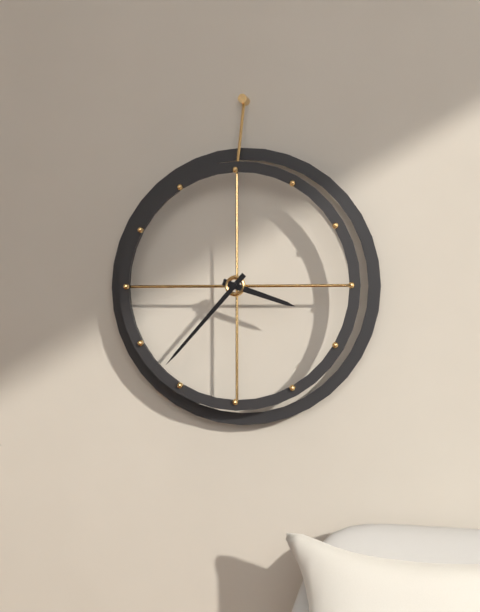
3:37
